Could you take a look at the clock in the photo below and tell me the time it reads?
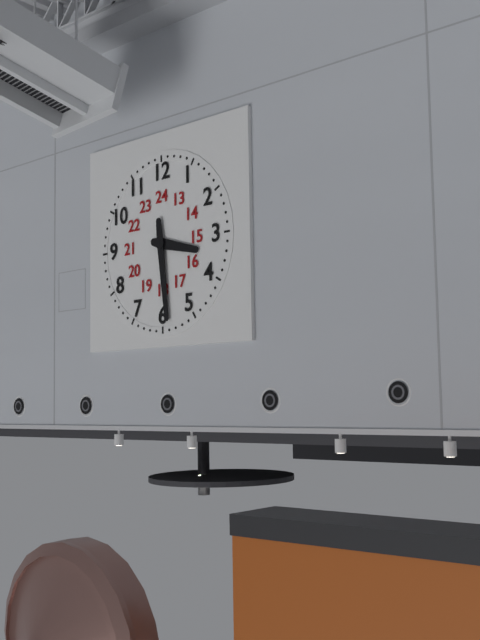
3:29
